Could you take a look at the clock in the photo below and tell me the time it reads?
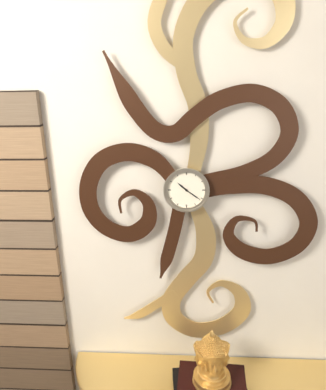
10:21
